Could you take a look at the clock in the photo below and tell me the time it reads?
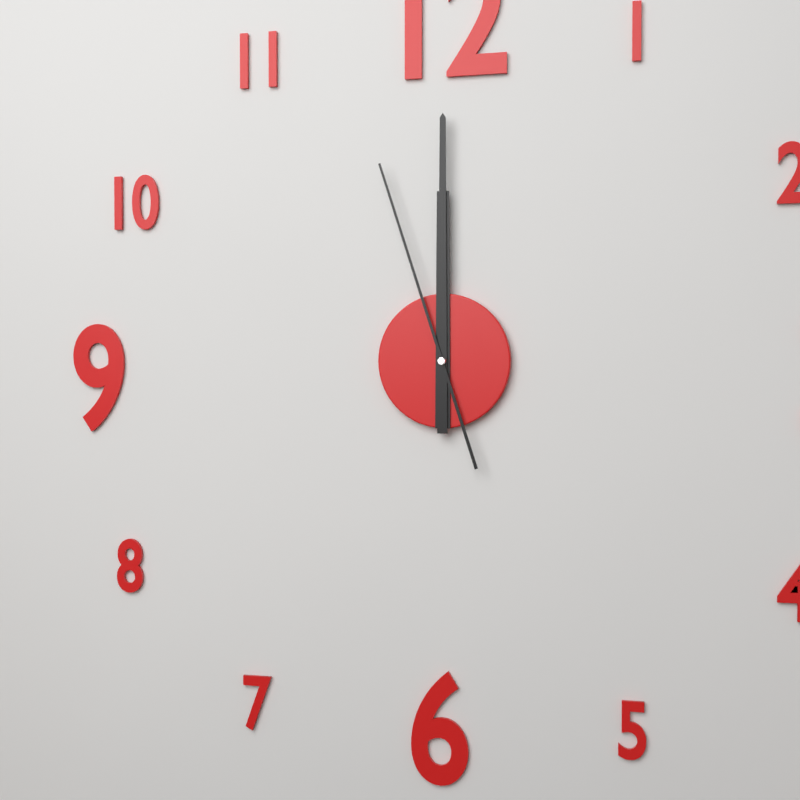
12:00:57
